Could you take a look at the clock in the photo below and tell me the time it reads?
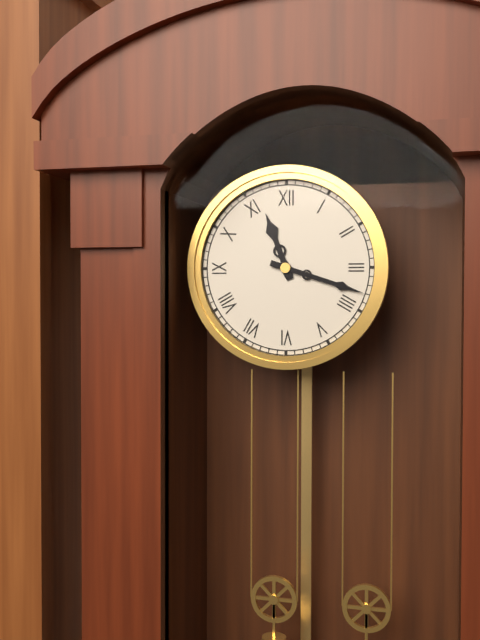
11:18
